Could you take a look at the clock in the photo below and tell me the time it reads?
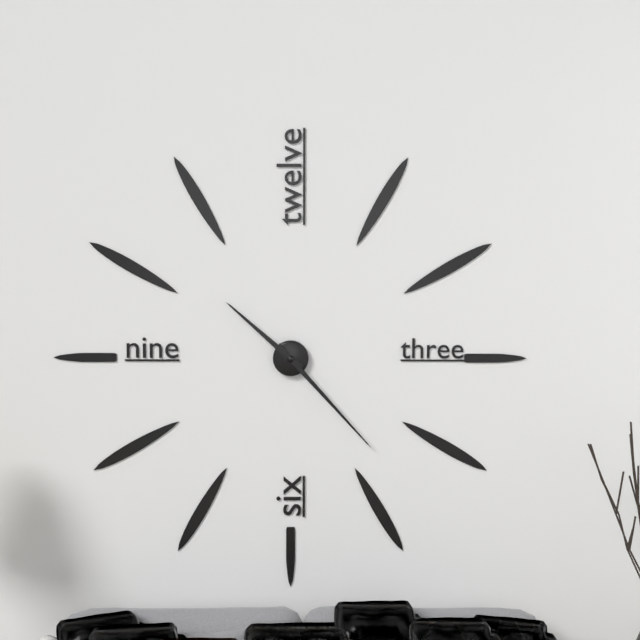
10:23
